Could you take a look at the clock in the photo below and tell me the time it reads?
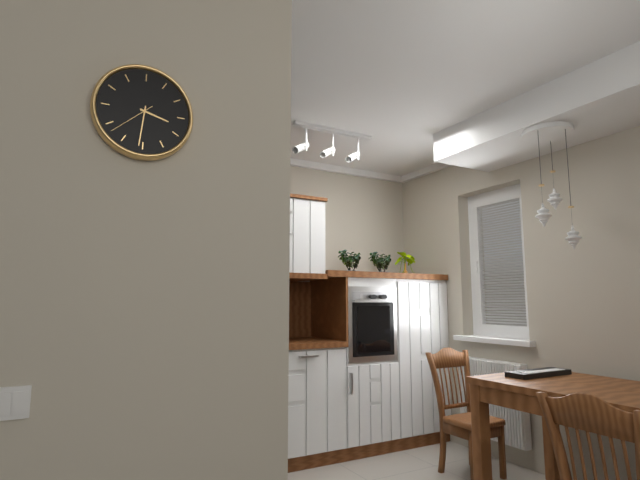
3:31
